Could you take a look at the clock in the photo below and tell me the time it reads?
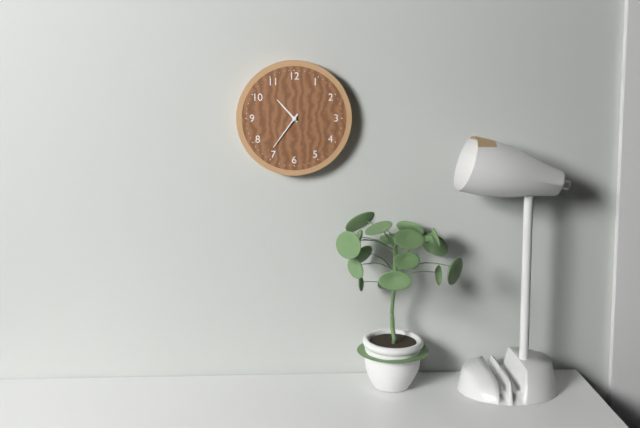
10:36
